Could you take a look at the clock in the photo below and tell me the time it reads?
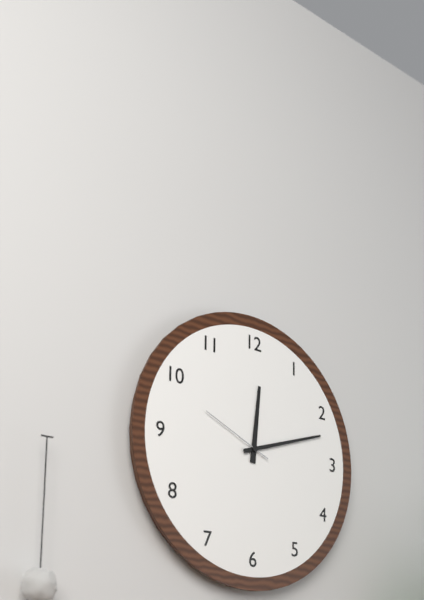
12:12:49
